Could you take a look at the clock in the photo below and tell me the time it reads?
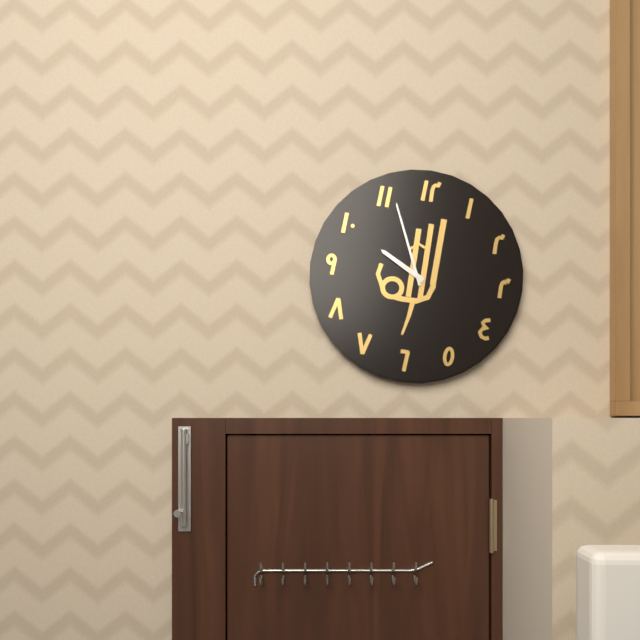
9:56
